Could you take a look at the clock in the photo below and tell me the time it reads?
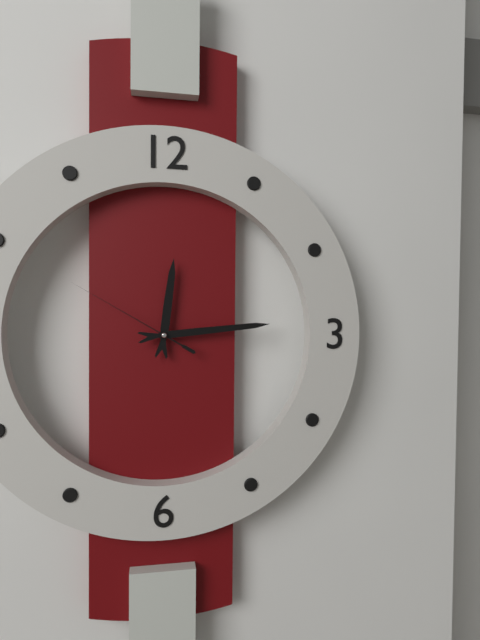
12:14:50
